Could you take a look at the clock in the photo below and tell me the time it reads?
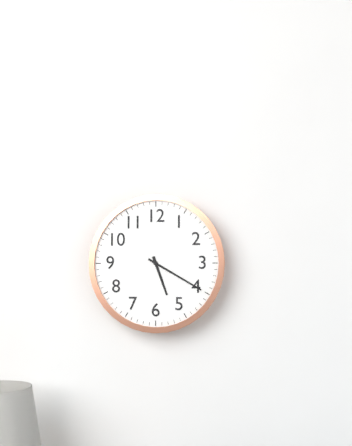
5:20
